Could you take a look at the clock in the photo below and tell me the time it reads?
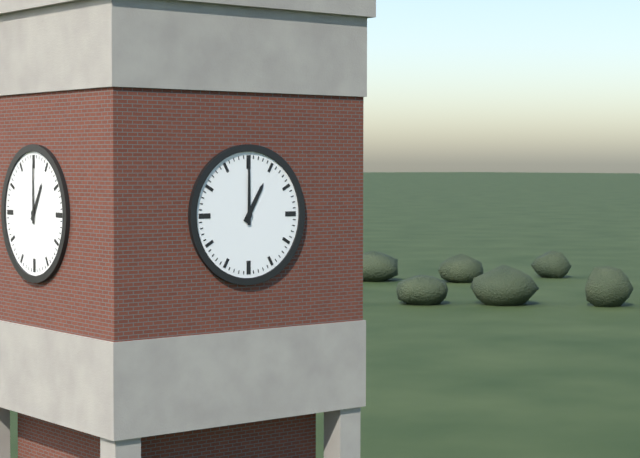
1:00
